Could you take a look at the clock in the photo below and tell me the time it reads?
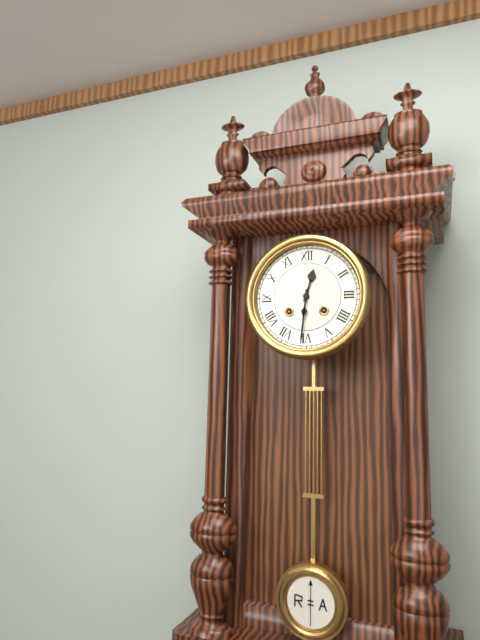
12:31
